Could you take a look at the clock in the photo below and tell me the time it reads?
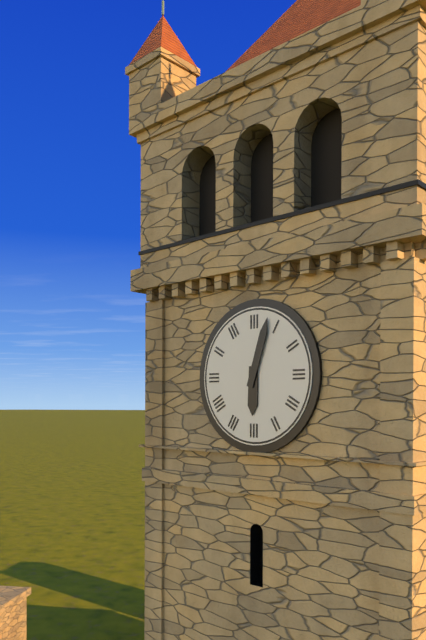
6:03
